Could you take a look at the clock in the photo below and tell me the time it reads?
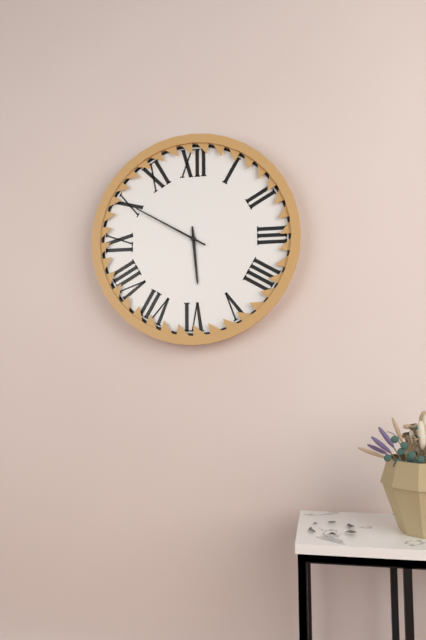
5:50
